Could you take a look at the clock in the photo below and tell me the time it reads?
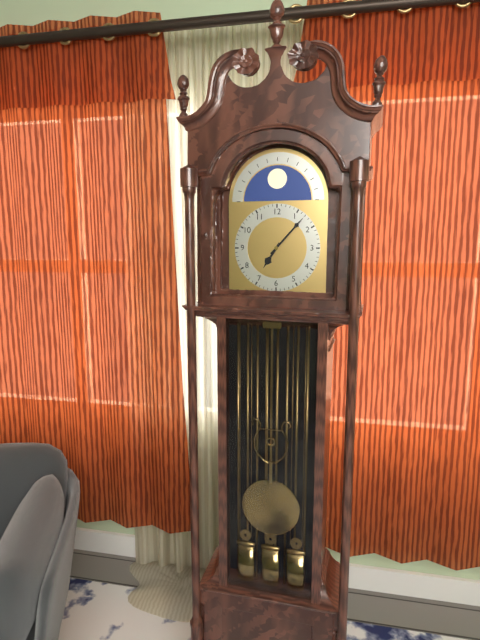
7:07
